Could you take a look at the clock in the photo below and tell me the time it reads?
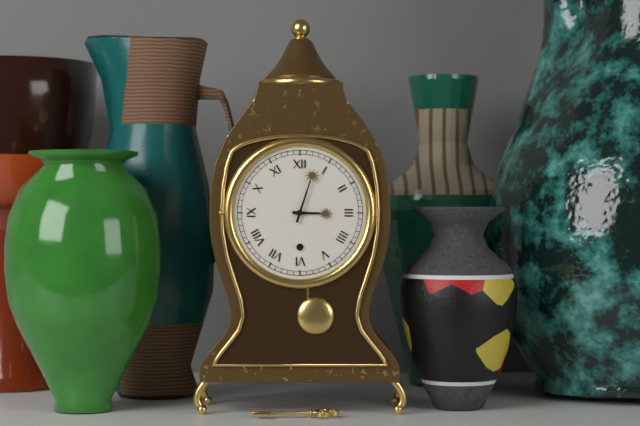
3:03
